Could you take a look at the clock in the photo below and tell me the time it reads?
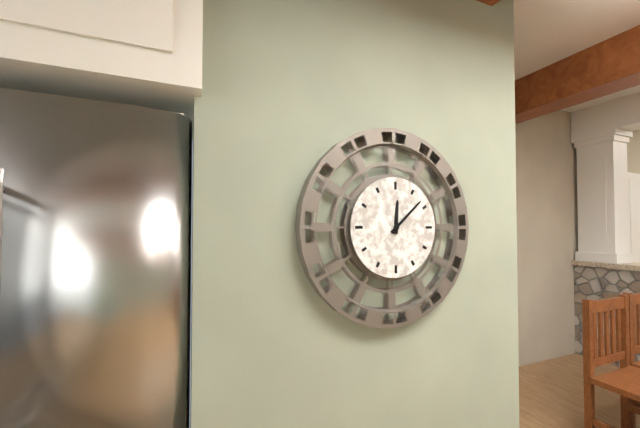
12:08
